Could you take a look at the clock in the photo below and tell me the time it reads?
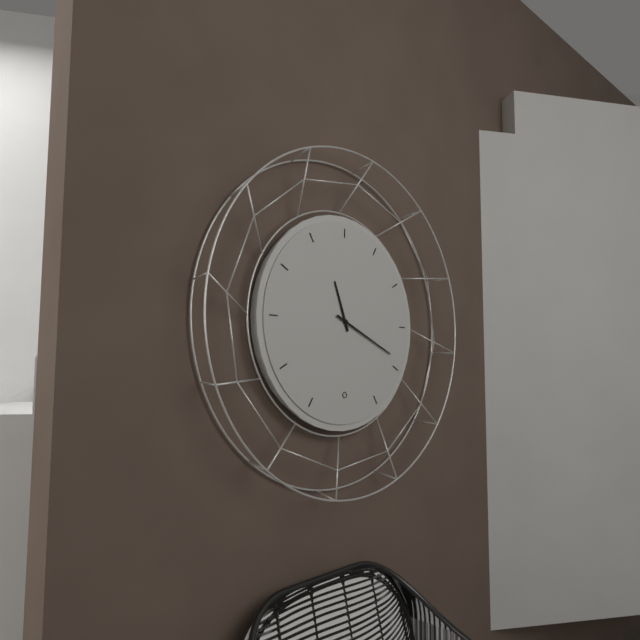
11:19
